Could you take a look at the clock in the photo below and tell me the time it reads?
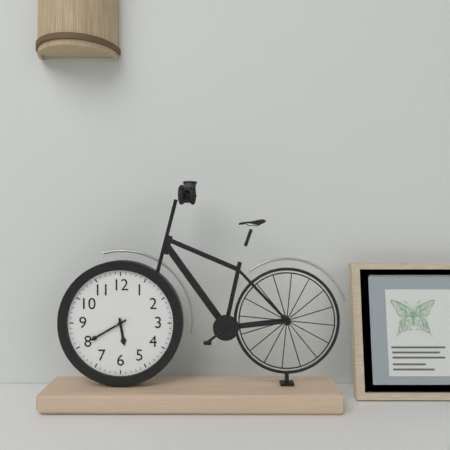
5:40
